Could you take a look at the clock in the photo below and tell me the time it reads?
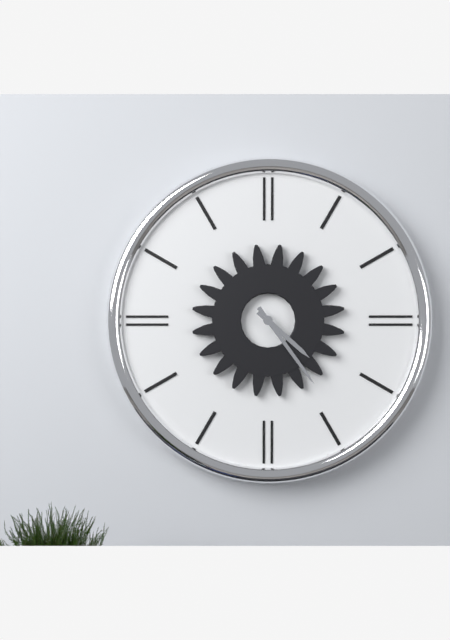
4:24
